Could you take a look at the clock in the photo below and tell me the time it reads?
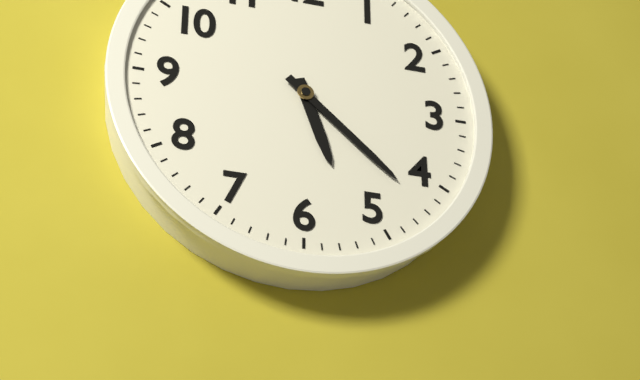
5:22
